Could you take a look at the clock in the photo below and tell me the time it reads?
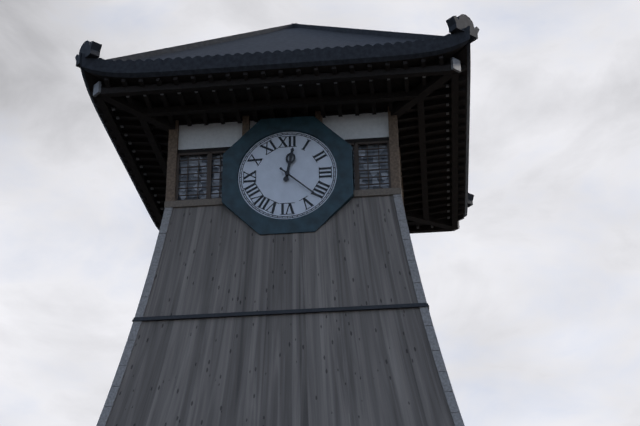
12:22
